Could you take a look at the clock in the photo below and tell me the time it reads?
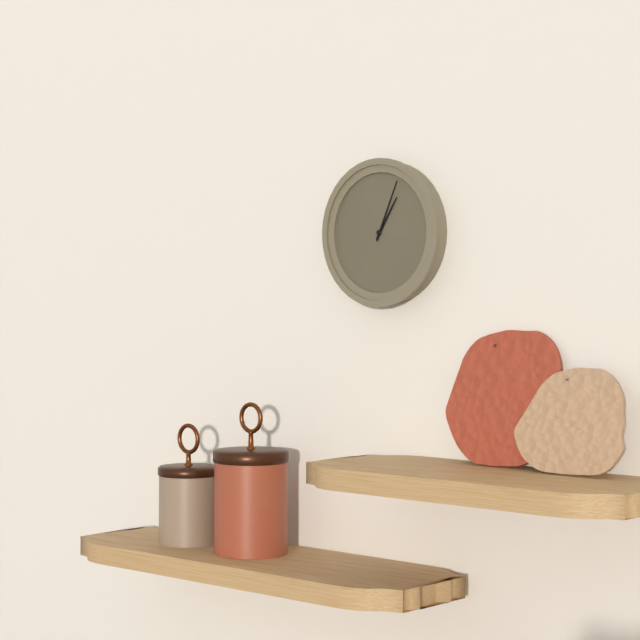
1:04
